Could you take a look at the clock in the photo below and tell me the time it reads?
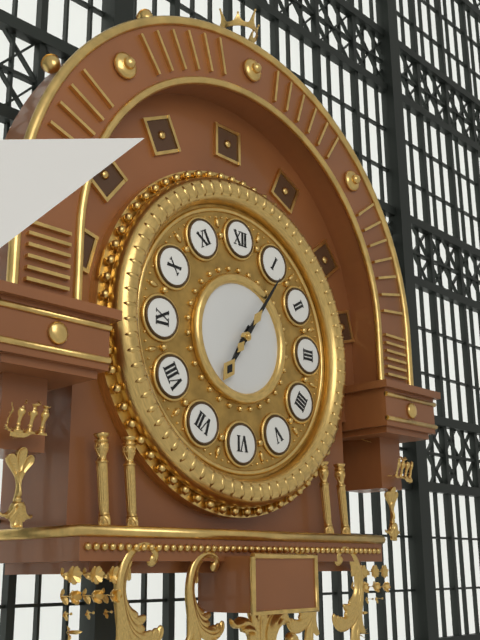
7:06
